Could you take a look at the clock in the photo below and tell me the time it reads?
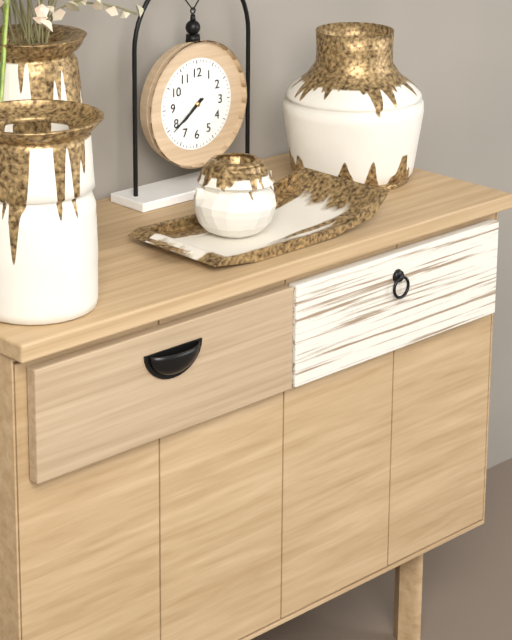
7:39
